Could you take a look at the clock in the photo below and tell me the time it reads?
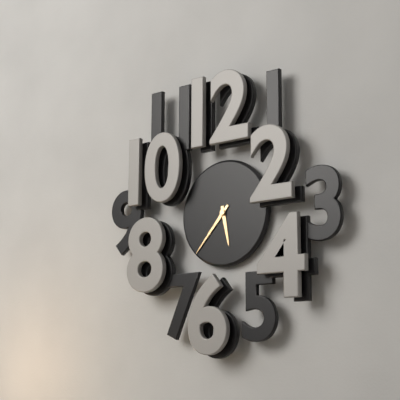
5:37
